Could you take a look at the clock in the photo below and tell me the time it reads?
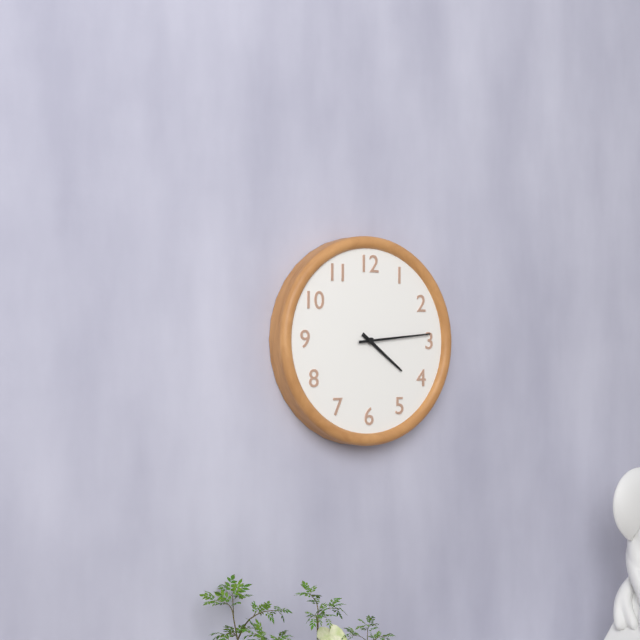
4:14
